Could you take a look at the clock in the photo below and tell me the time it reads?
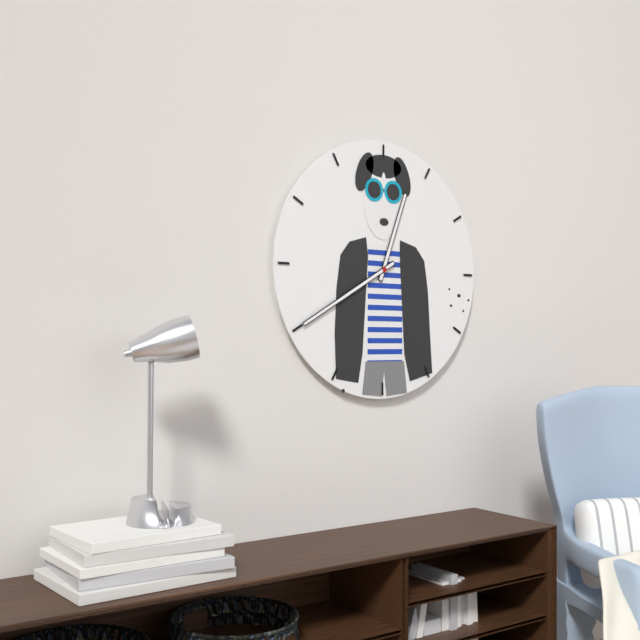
12:40
